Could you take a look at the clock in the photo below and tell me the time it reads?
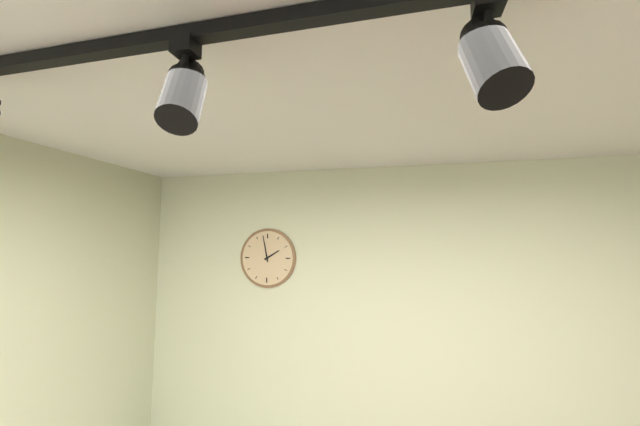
1:58
